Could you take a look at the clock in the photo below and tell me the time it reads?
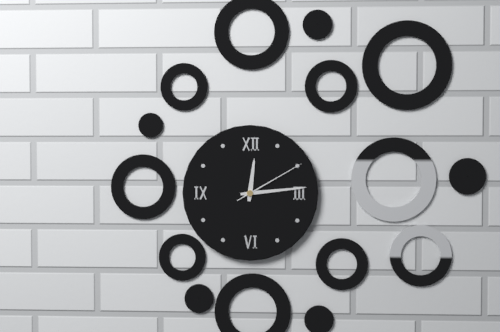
12:14:10
